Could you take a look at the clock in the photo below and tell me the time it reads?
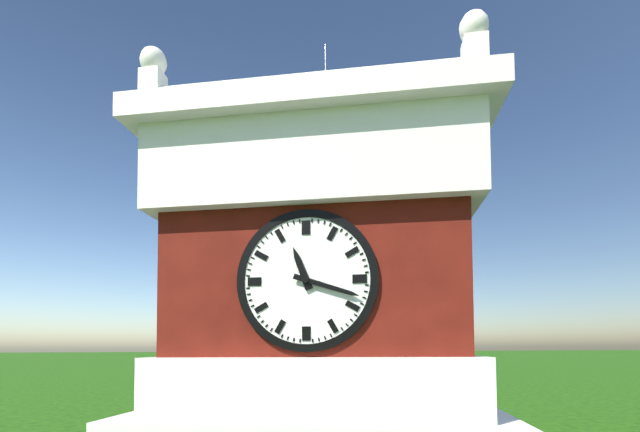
11:18
